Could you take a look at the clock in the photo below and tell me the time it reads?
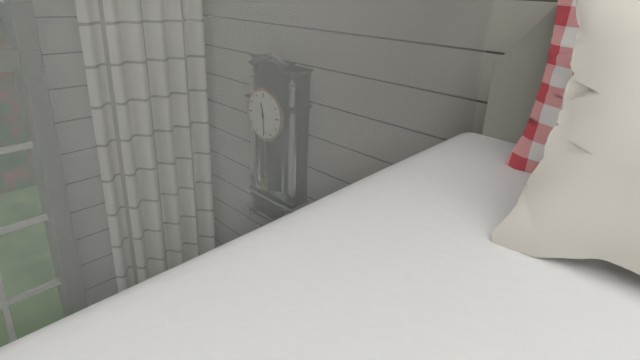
11:29
